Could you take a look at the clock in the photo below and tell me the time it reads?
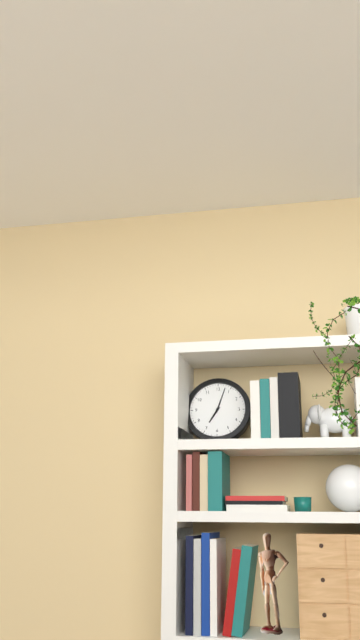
7:03
